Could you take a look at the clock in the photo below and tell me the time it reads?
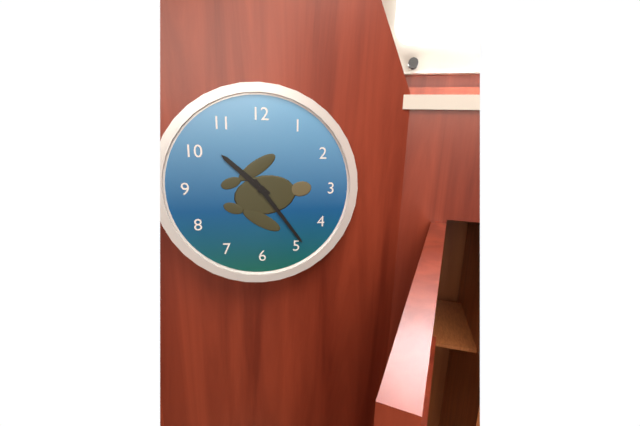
10:24
